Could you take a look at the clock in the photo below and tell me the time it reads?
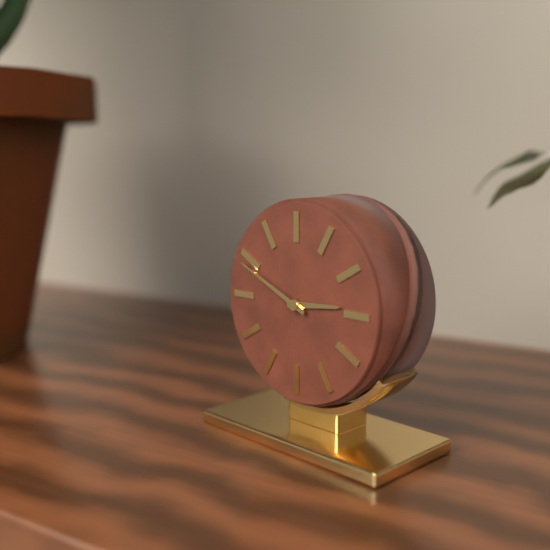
2:49
